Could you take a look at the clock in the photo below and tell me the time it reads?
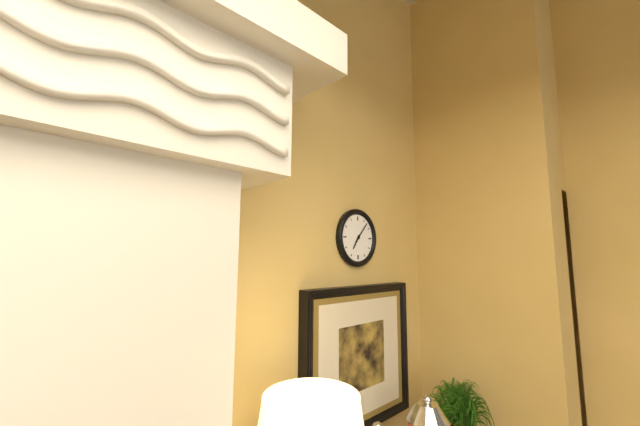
7:07
